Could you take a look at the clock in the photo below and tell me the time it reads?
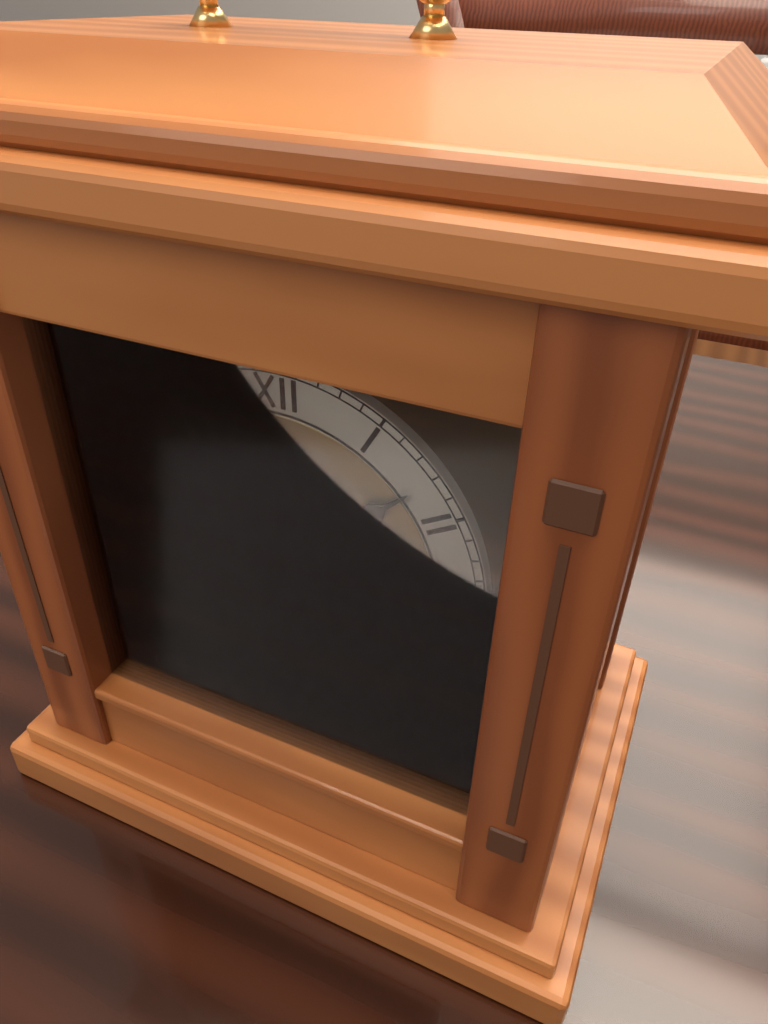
3:08
